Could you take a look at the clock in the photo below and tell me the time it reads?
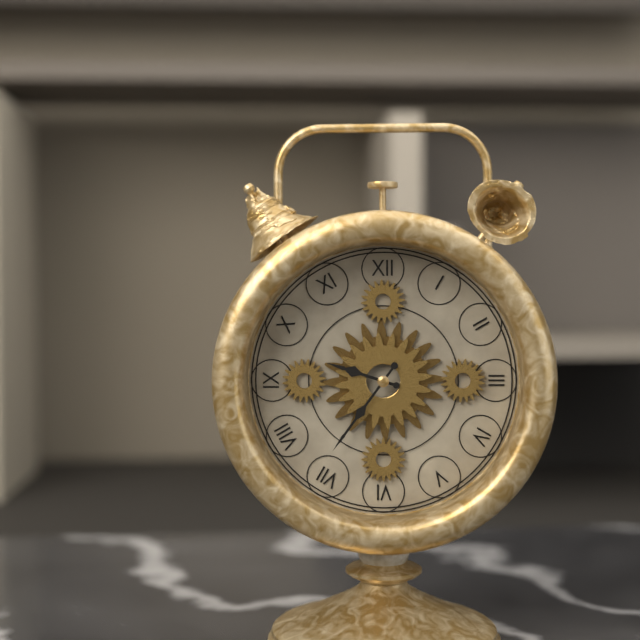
9:36
